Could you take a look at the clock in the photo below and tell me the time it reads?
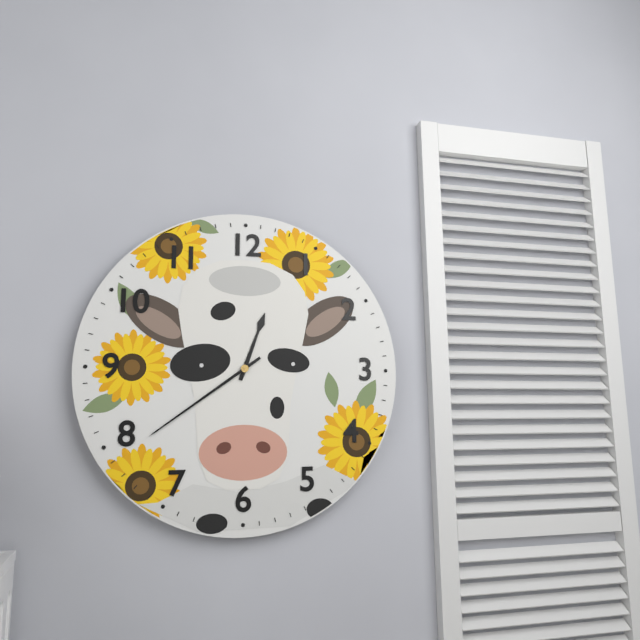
12:39
